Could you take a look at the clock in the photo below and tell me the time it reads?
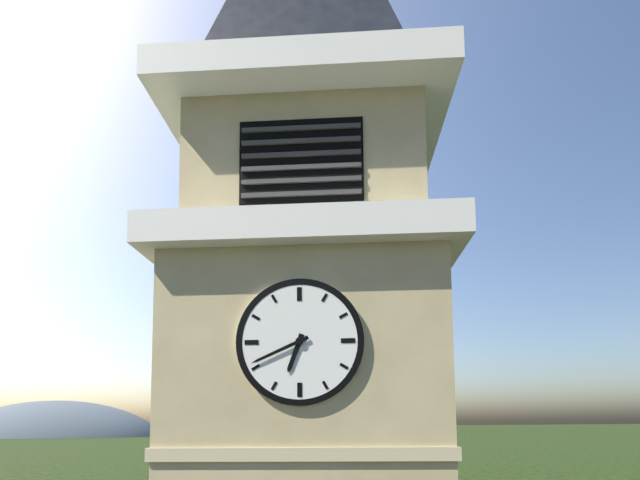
6:41
